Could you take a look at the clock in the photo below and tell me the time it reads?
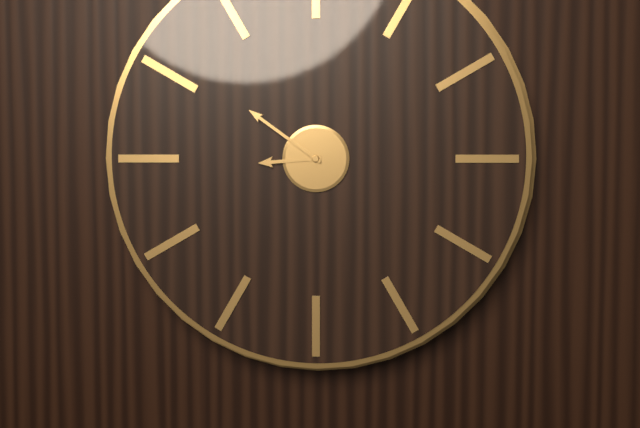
8:51
